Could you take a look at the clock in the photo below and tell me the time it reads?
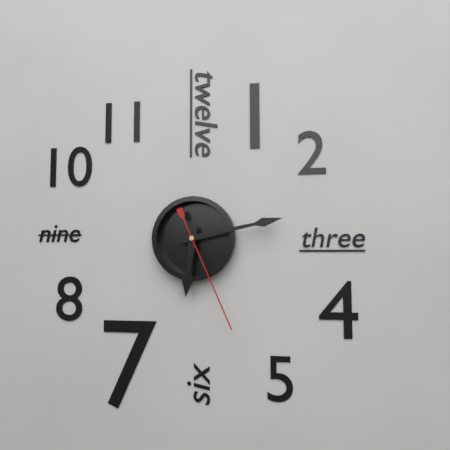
6:13:26
